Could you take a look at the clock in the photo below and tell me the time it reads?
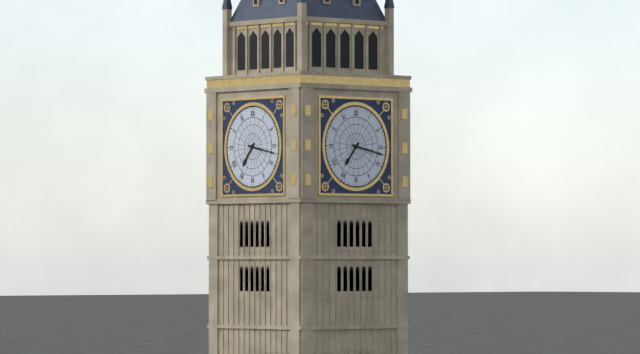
7:17
